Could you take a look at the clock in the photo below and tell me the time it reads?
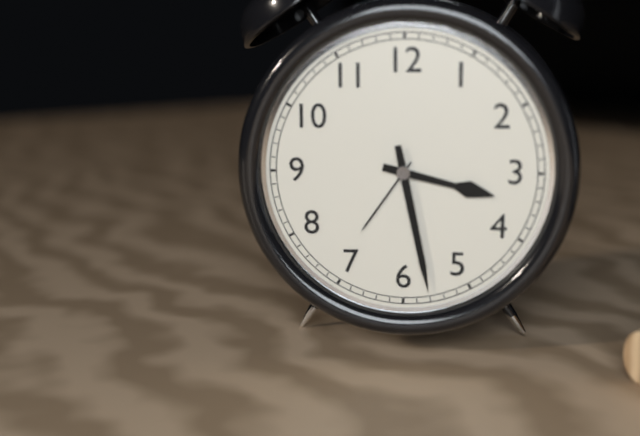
3:28
